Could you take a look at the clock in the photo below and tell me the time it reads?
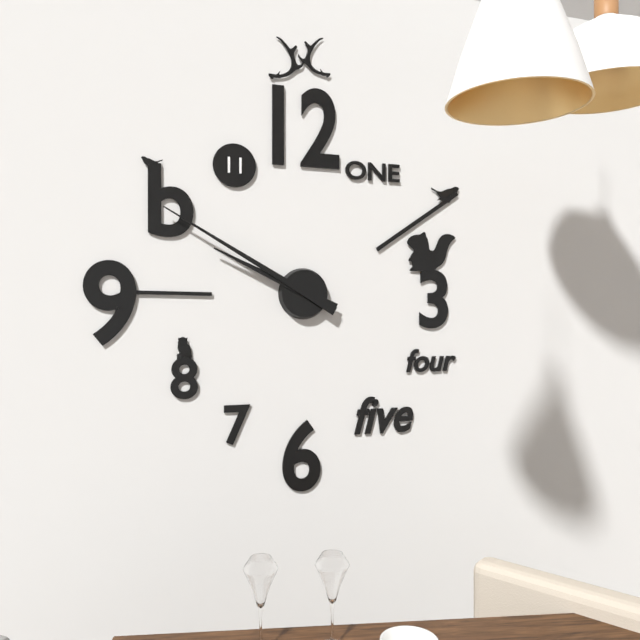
9:50
